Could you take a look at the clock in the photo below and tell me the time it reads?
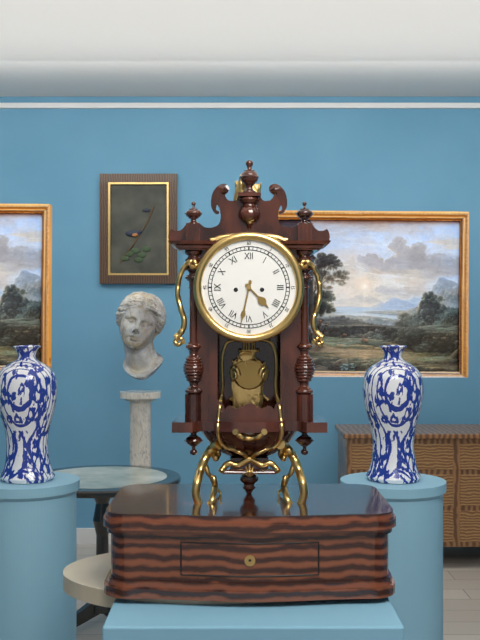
4:32
